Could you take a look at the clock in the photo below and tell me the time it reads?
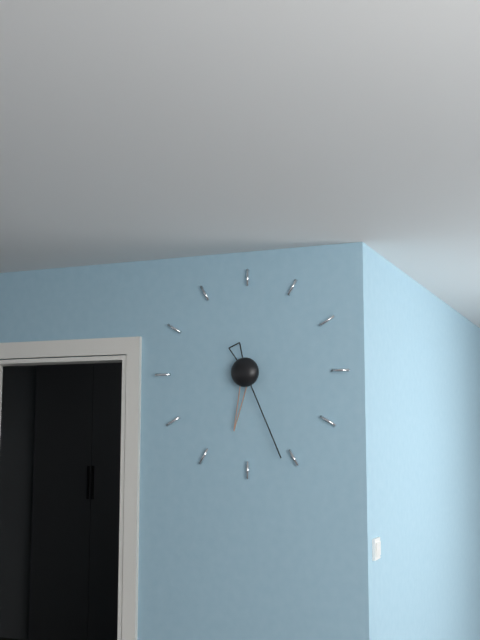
6:26
